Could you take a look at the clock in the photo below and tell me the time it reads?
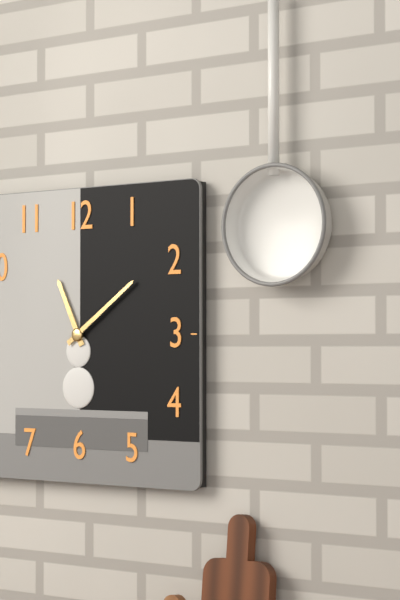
11:09
